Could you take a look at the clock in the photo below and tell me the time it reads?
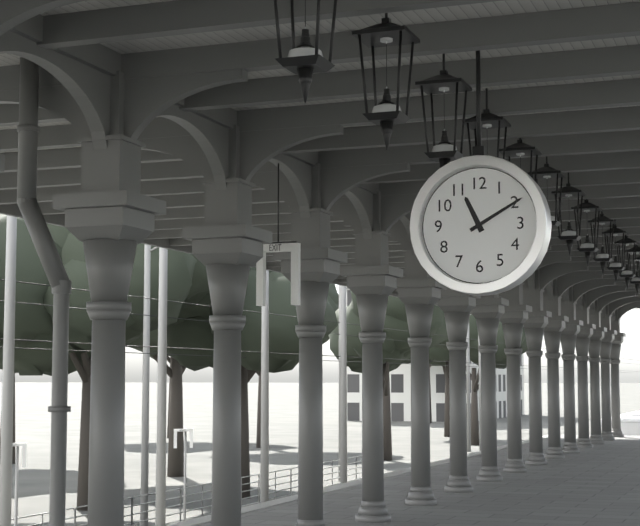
11:10
